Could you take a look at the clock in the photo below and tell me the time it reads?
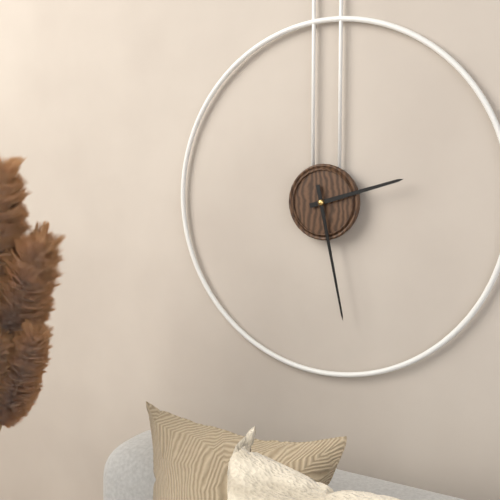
2:28
